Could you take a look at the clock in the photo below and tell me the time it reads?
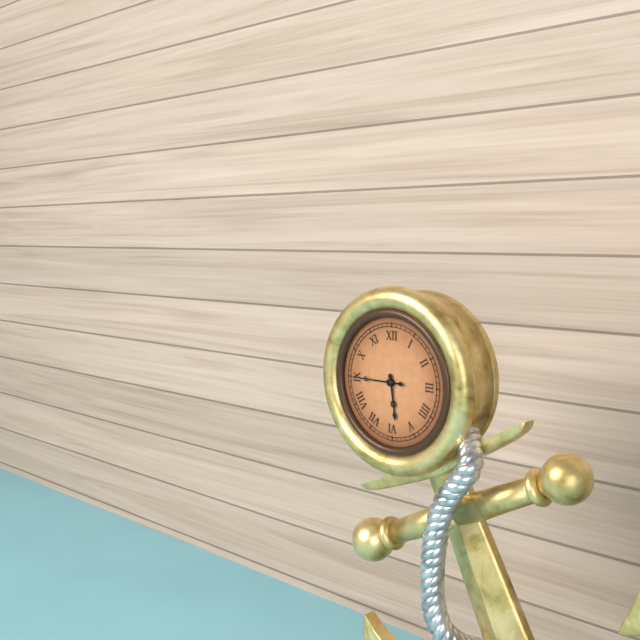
5:45
